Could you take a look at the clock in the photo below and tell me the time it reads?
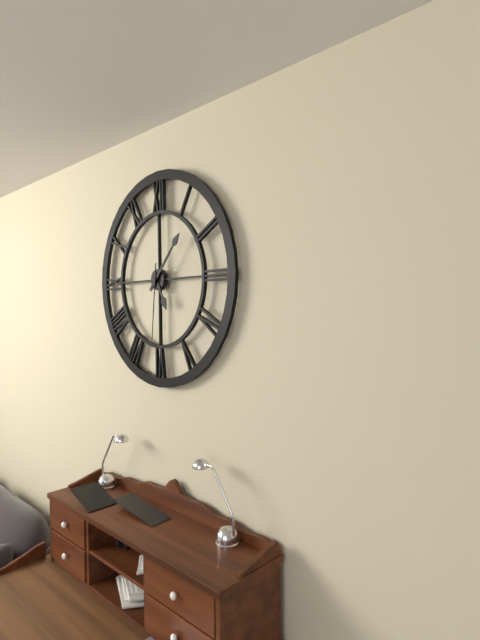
5:07:31
